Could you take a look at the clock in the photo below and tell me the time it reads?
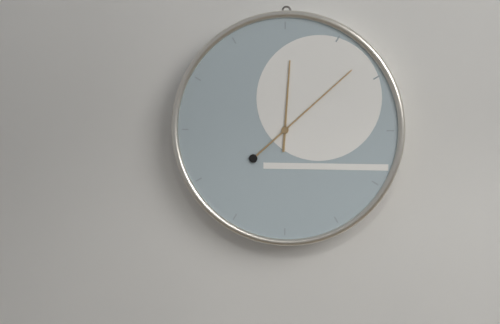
12:08
